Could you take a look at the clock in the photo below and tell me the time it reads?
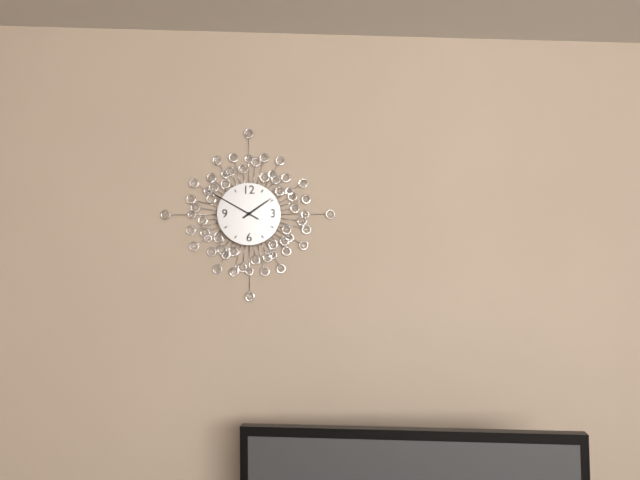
1:50
